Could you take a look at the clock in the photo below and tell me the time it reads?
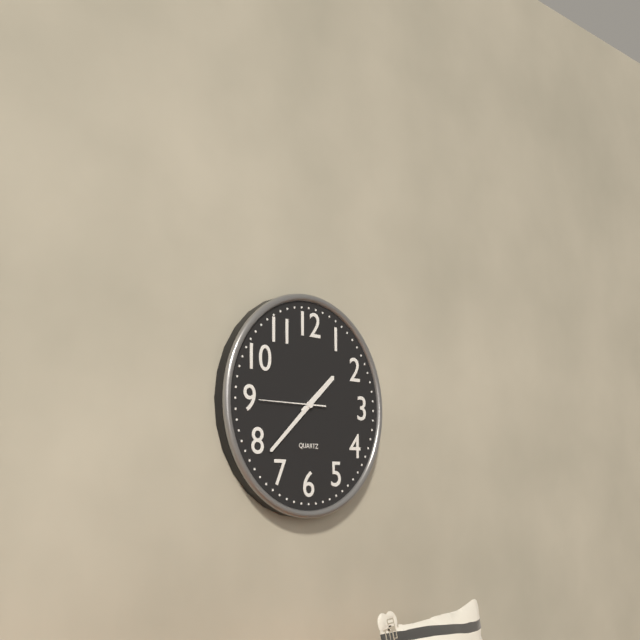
1:38:45
